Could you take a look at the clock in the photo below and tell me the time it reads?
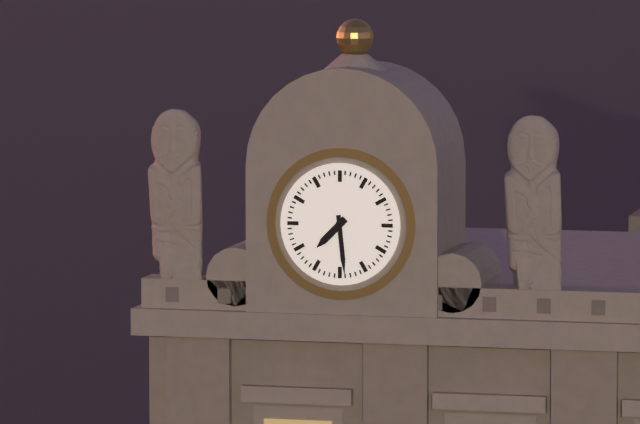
7:29
